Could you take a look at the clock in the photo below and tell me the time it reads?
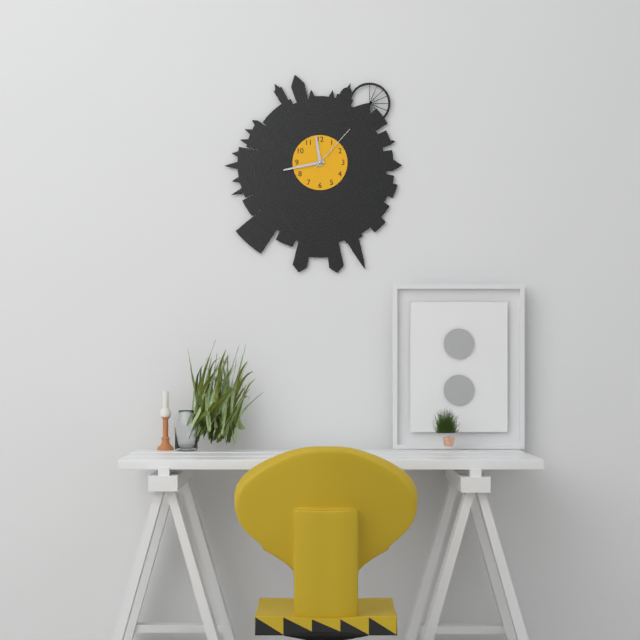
11:43:07
